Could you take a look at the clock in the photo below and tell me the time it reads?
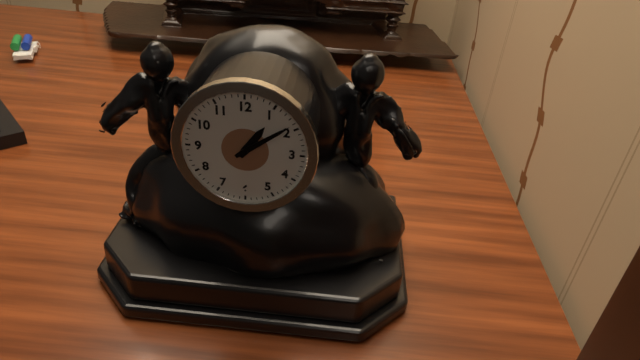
1:09
